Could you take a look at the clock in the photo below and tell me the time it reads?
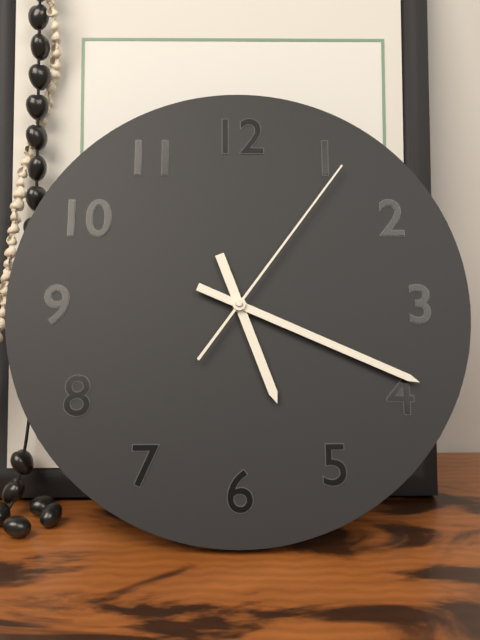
5:19:06
